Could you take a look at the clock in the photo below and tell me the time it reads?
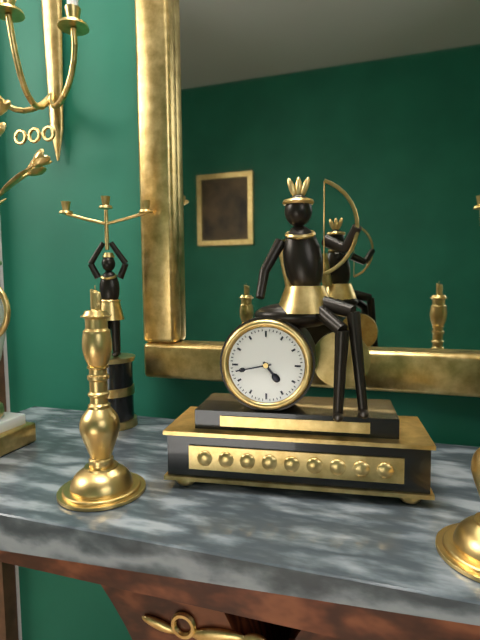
4:43
